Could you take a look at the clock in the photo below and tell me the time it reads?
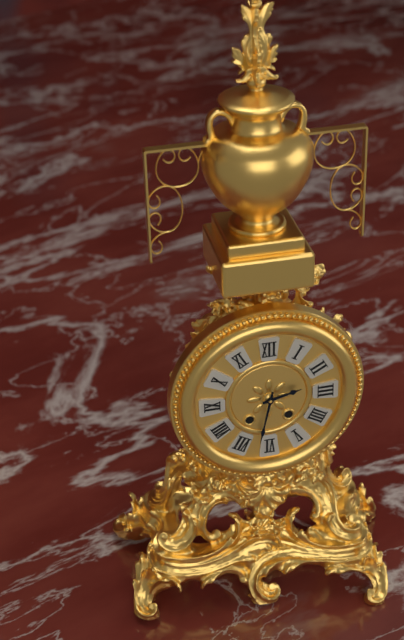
2:32
